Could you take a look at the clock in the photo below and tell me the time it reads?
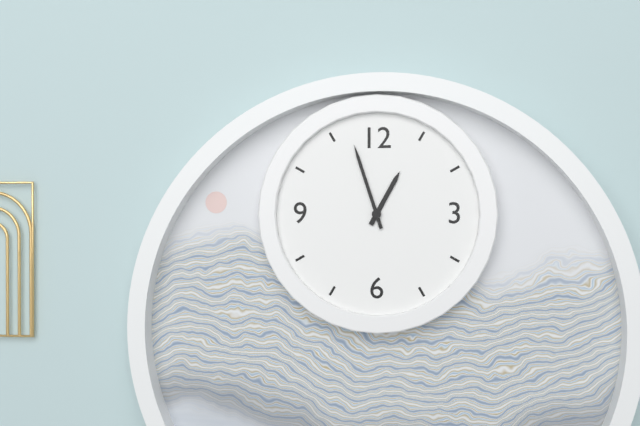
12:57
